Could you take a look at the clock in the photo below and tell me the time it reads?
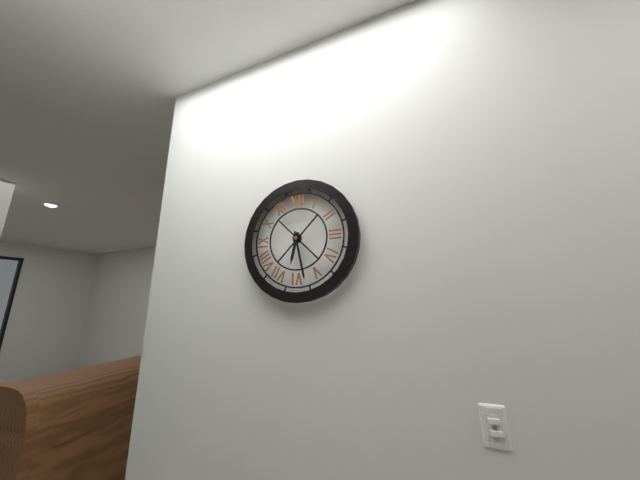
6:28
